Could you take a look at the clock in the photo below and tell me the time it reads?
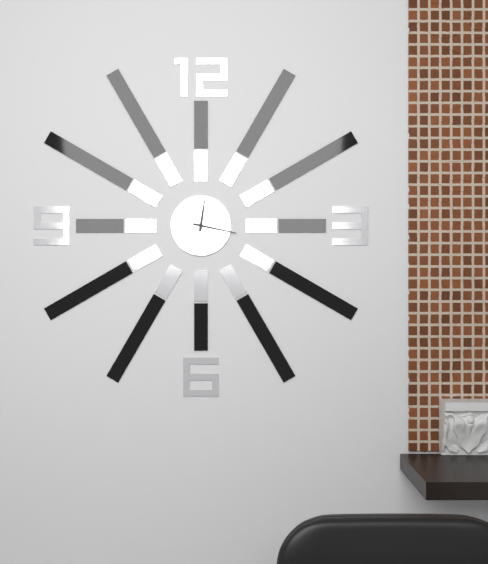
12:17
